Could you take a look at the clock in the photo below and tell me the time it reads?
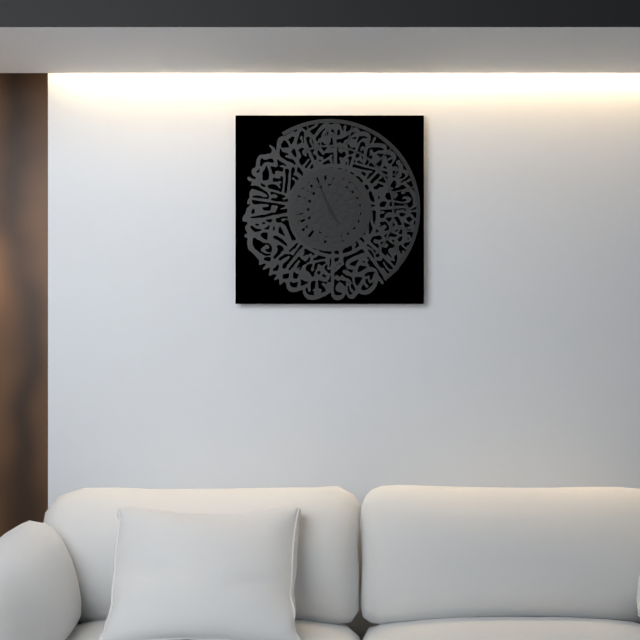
4:56
